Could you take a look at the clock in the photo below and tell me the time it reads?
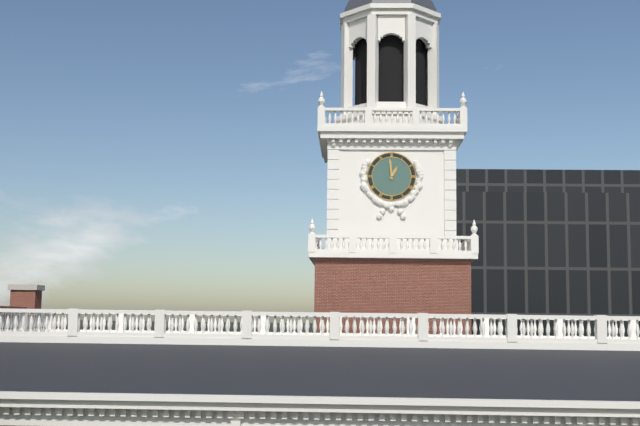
12:59
